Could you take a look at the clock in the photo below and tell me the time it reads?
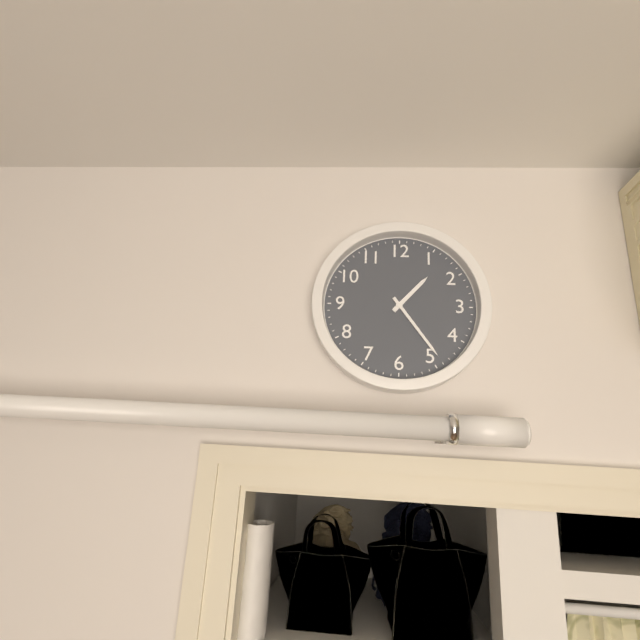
1:24
